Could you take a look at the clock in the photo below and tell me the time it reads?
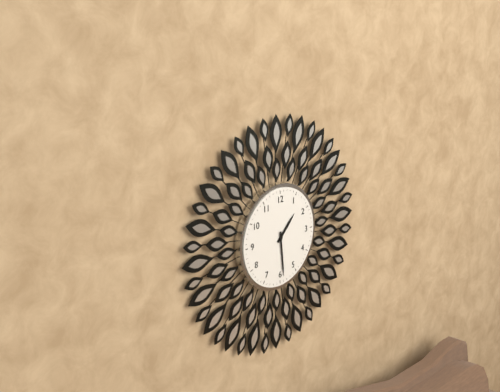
1:29
